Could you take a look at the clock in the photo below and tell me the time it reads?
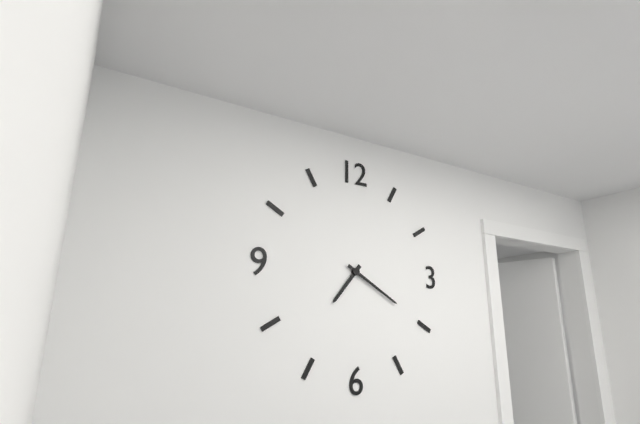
7:20
